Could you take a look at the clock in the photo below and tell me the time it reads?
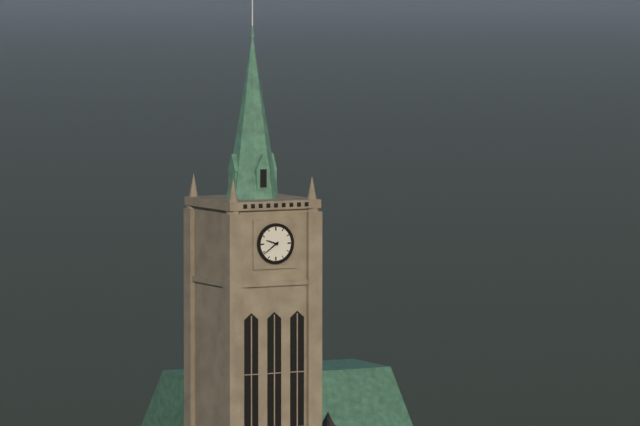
9:39
